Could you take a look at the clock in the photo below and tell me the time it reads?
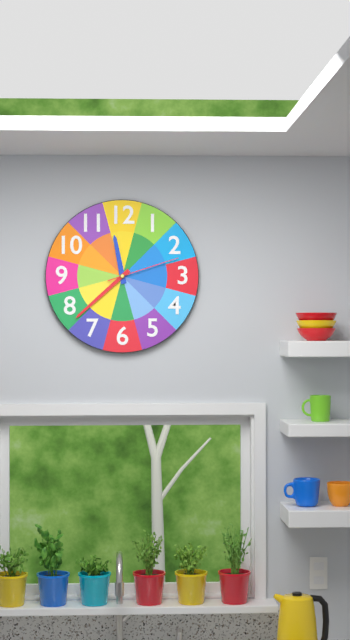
11:38:12
